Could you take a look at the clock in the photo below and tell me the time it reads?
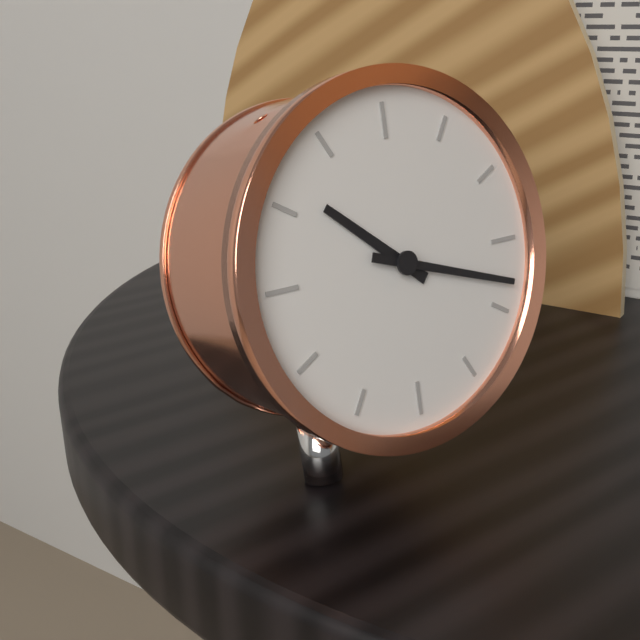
10:18
